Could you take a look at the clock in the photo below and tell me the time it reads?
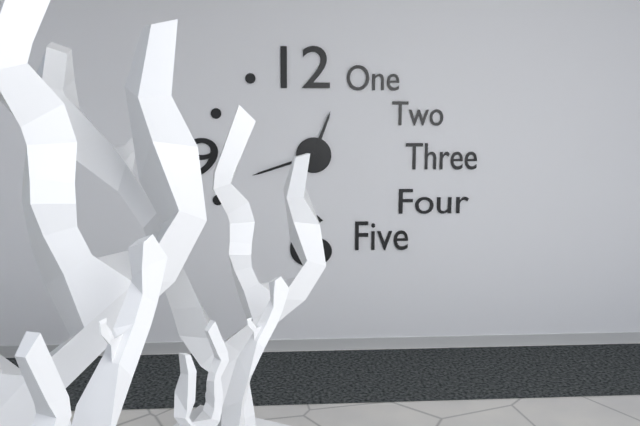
12:42
